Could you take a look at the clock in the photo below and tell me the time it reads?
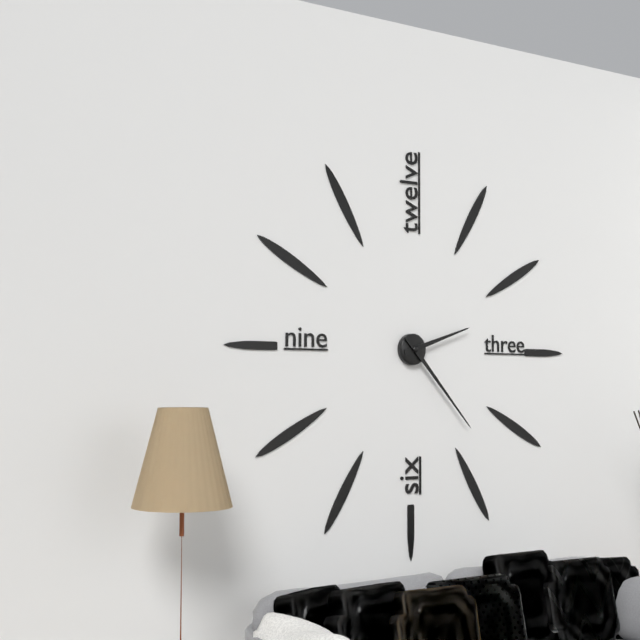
2:23
